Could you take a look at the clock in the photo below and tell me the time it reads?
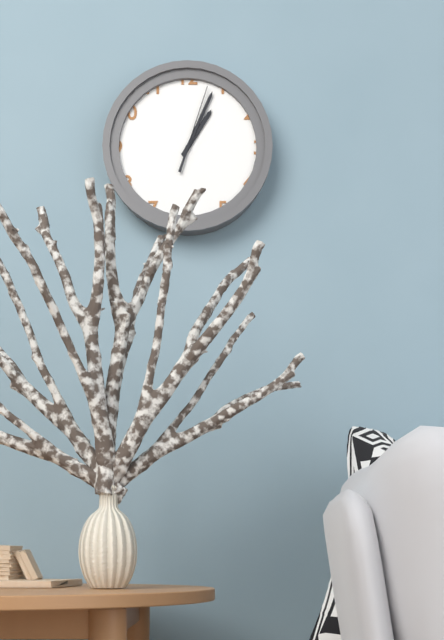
1:04:03
